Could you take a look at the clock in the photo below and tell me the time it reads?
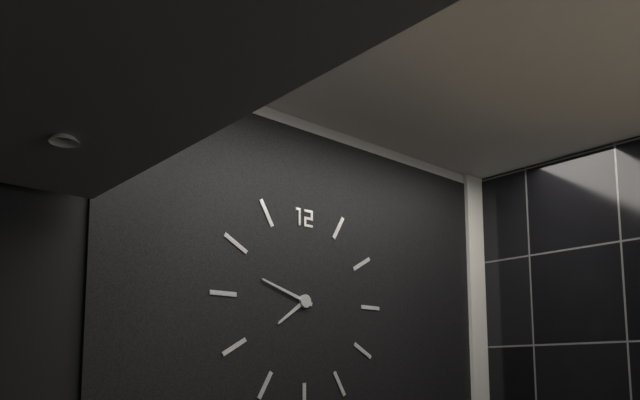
7:48
